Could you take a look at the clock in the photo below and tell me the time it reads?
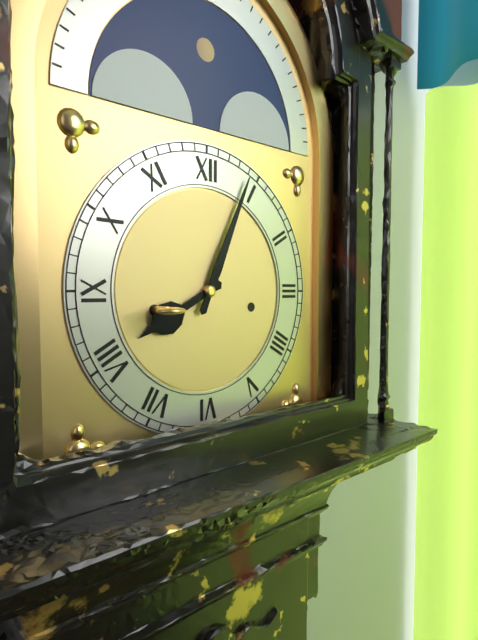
8:04
